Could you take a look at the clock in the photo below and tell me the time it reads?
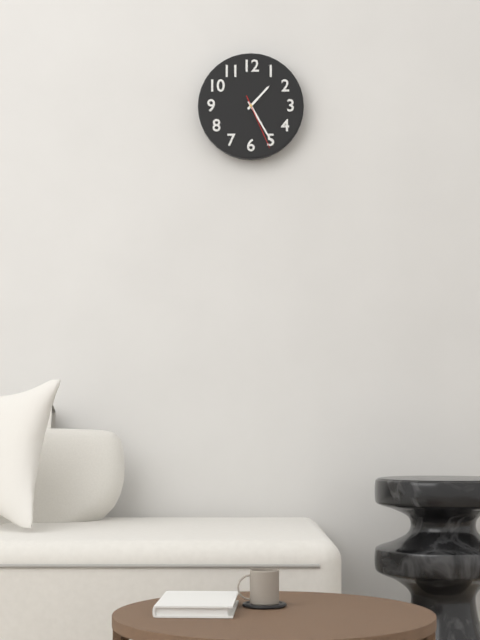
1:25:26
